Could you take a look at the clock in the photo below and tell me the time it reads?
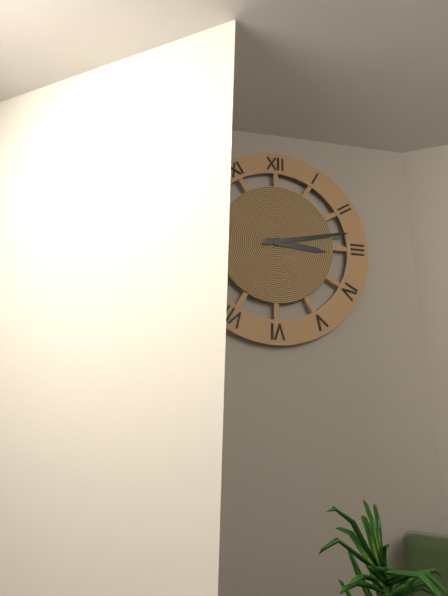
3:13
